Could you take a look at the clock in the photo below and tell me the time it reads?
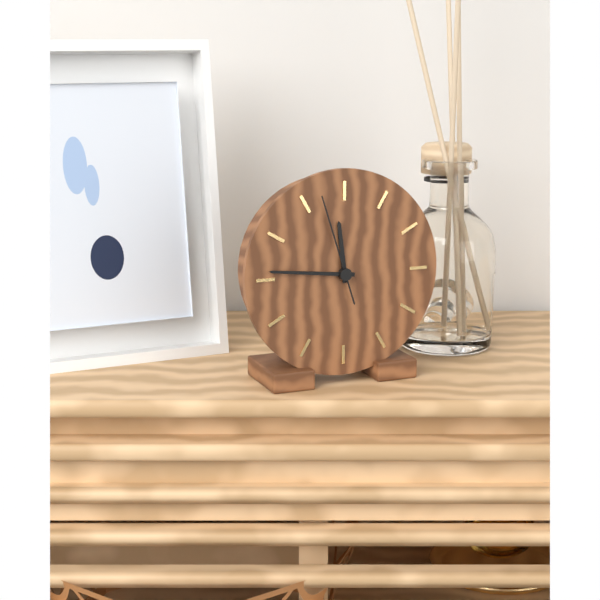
11:46:57
